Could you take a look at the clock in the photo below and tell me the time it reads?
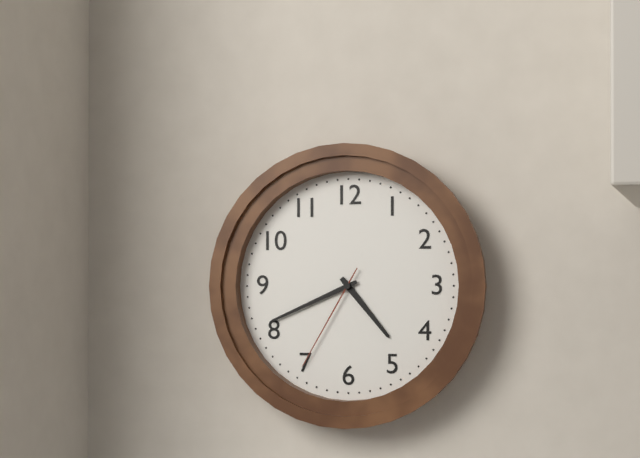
4:41:35
